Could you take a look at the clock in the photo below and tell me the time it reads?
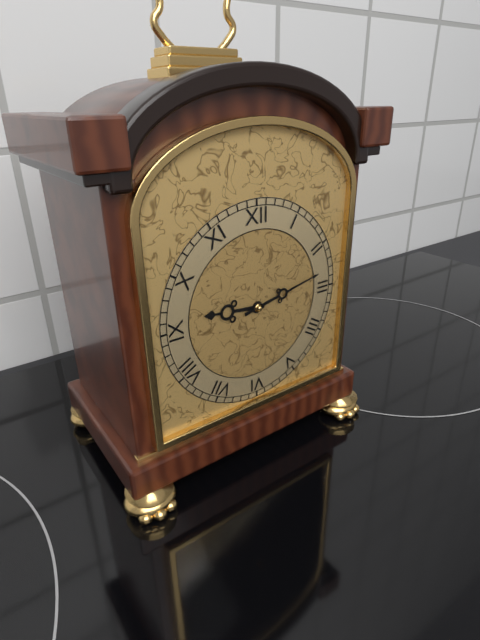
9:13
